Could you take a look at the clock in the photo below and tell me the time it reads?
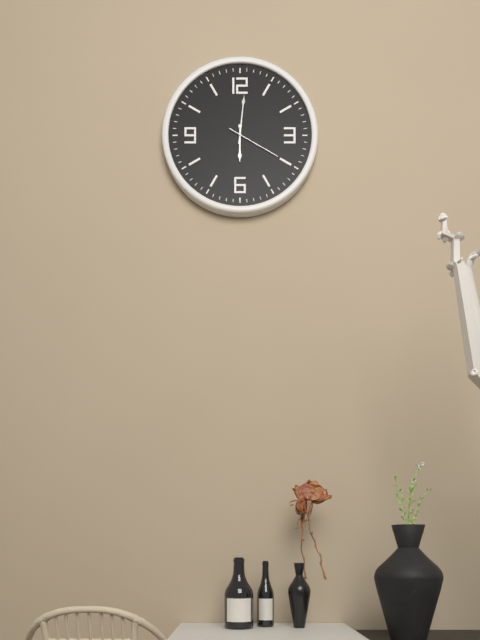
6:01:20
